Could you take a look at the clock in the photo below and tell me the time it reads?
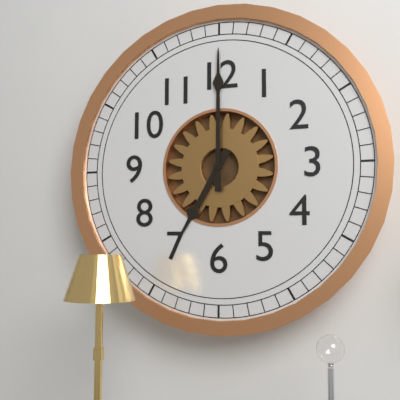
7:00
